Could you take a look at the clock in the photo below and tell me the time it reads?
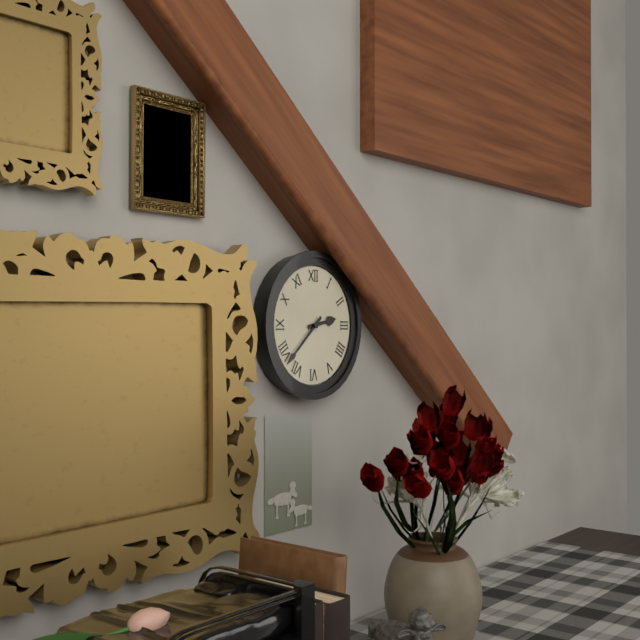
2:38
